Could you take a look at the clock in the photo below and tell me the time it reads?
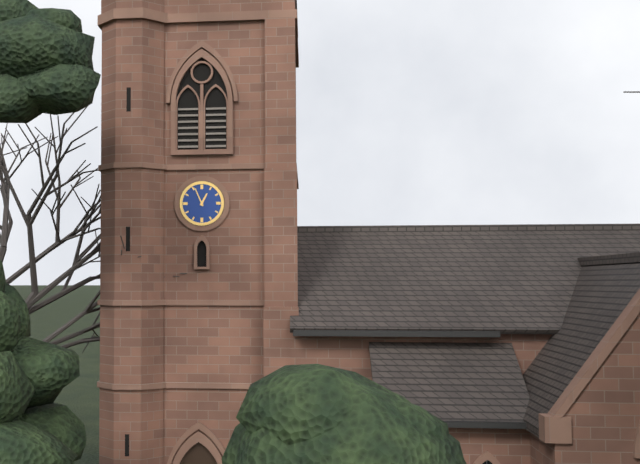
12:56
